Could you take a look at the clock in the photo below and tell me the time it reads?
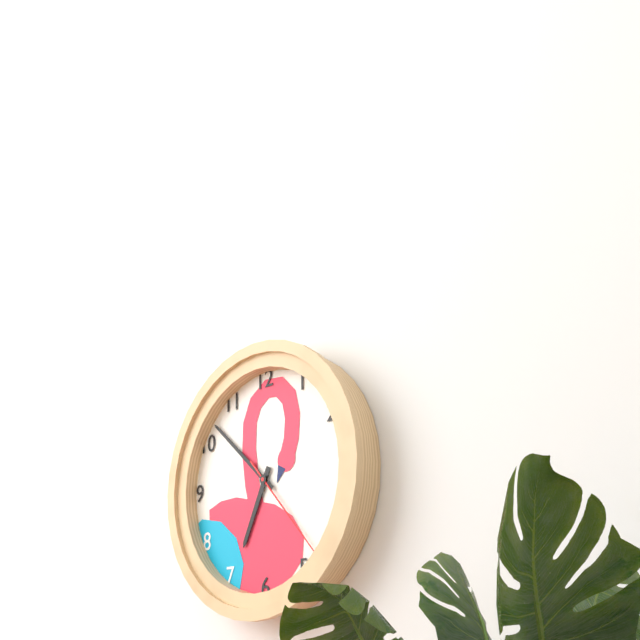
6:52:23
